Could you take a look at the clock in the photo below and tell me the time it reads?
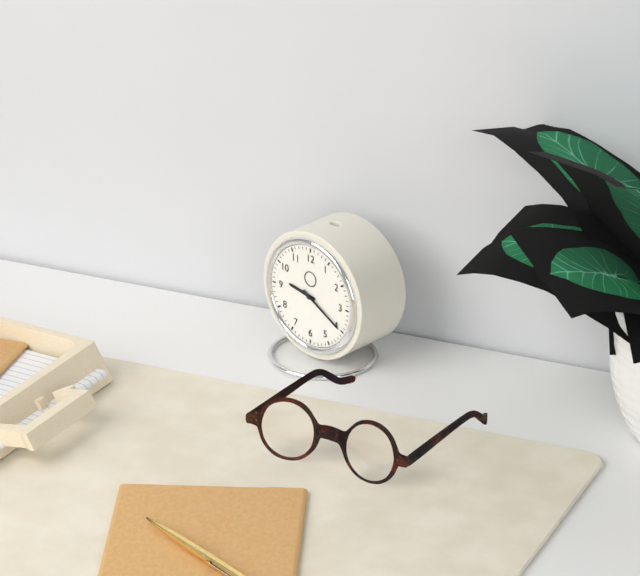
9:20
